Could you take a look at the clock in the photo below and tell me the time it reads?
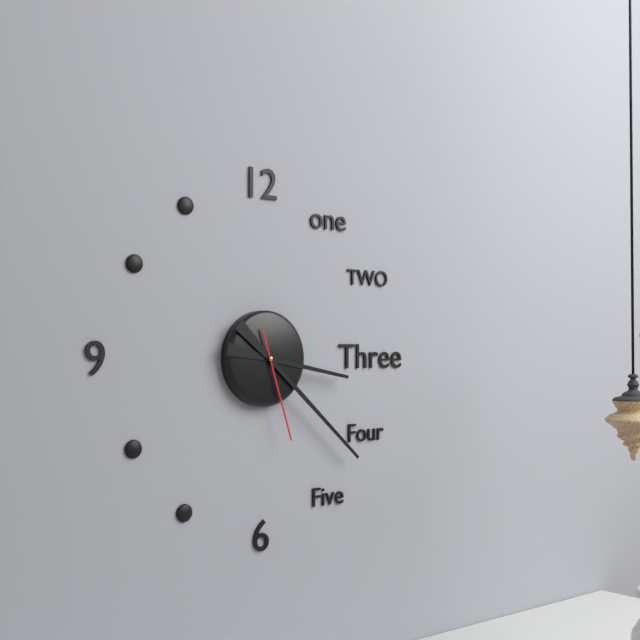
3:22:27
